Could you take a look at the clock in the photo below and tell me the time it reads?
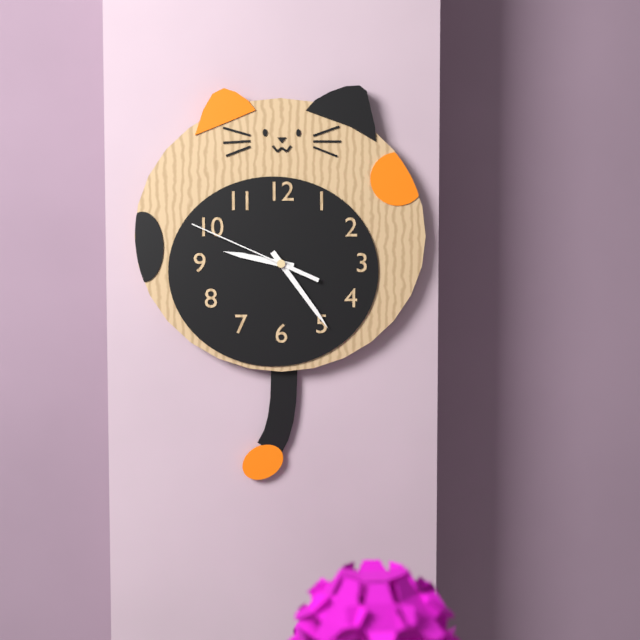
9:24:49
